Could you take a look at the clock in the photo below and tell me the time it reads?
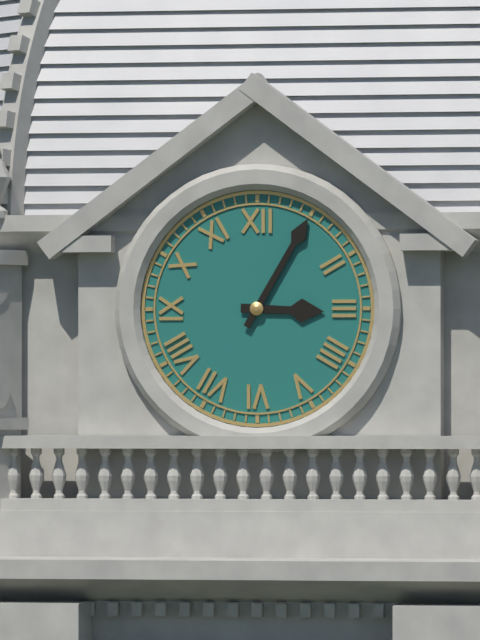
3:05
